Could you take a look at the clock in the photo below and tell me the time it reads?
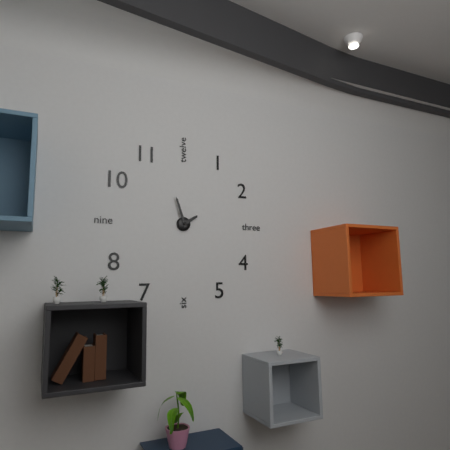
1:57
